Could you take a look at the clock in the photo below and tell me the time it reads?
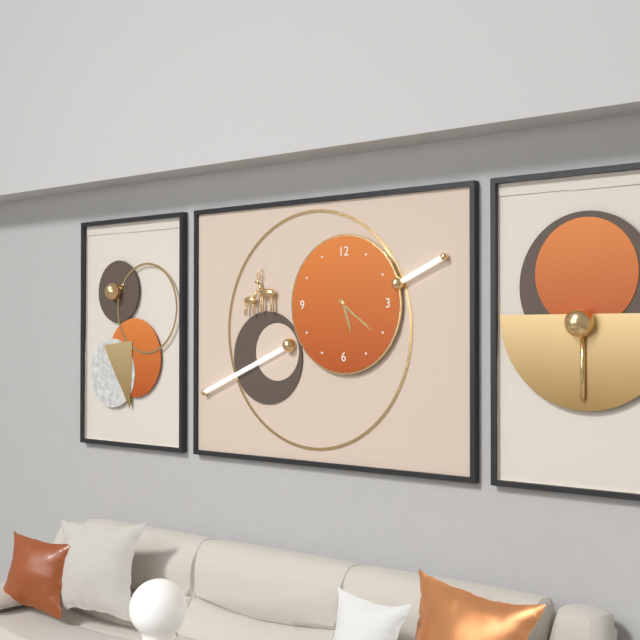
5:21
